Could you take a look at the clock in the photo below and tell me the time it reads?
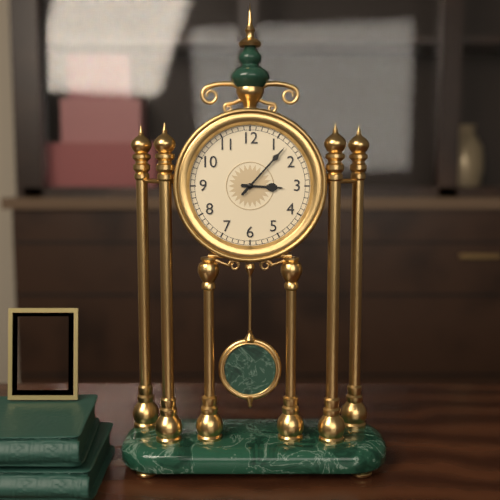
3:07
